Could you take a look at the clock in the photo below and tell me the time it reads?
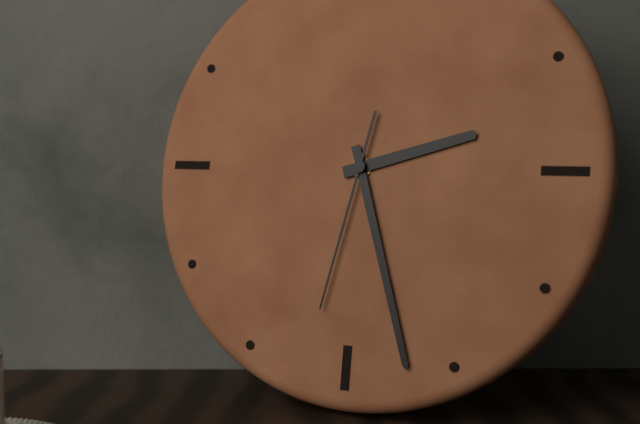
2:27:32
